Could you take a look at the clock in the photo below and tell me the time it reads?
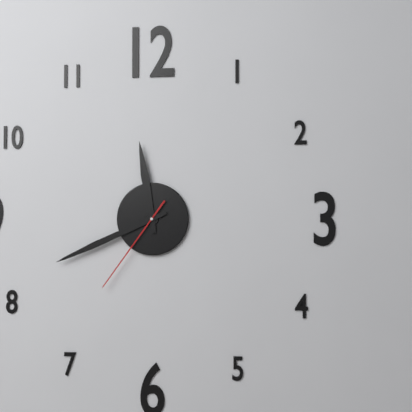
11:41:36
